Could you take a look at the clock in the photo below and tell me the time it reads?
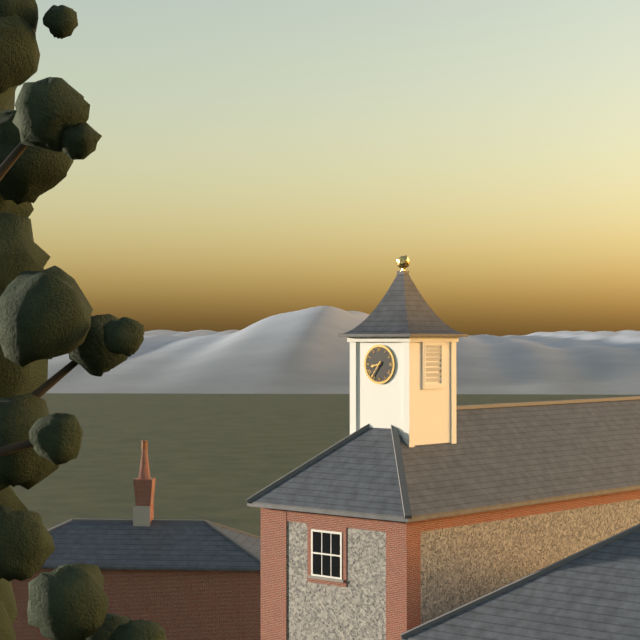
8:36
